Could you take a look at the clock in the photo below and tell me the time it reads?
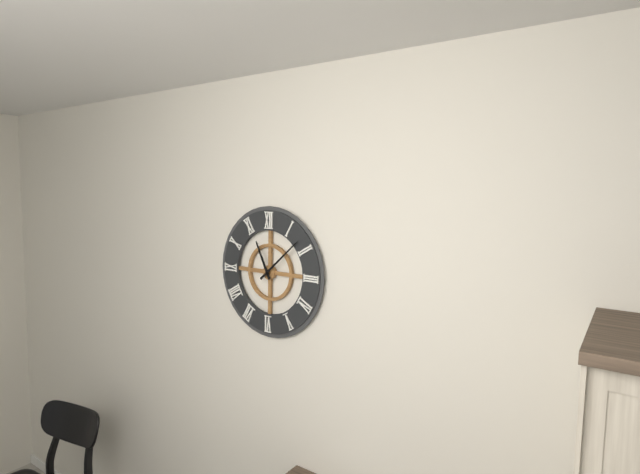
11:08
